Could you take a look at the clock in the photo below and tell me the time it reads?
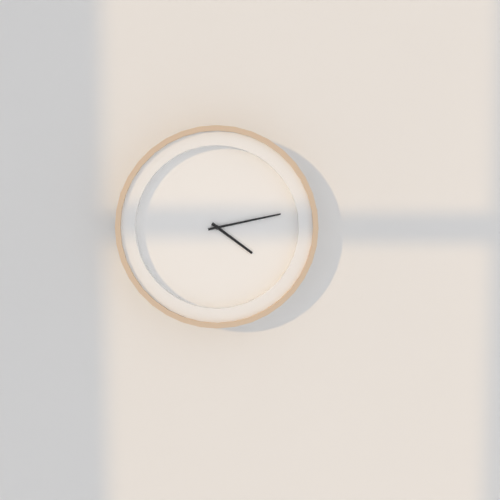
4:13
